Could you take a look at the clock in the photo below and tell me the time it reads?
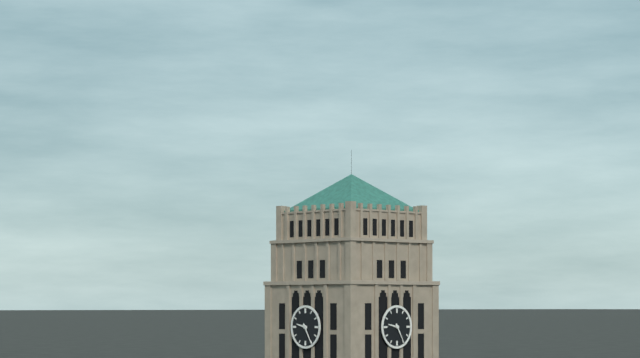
9:25
